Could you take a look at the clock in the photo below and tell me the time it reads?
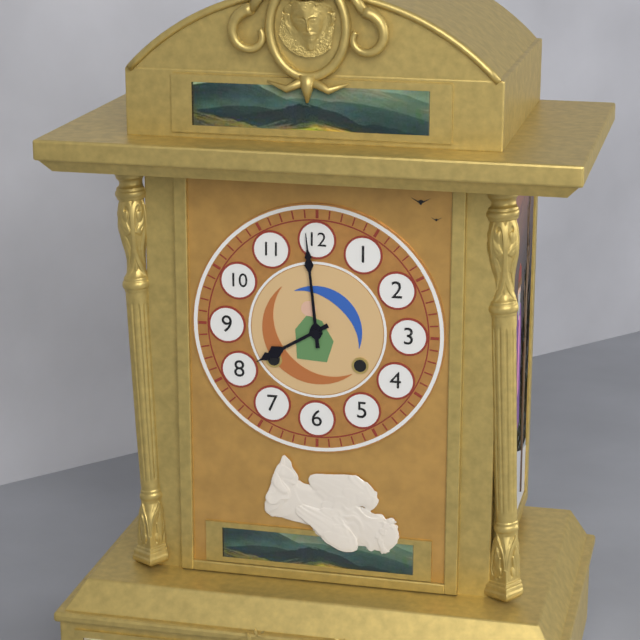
7:59
